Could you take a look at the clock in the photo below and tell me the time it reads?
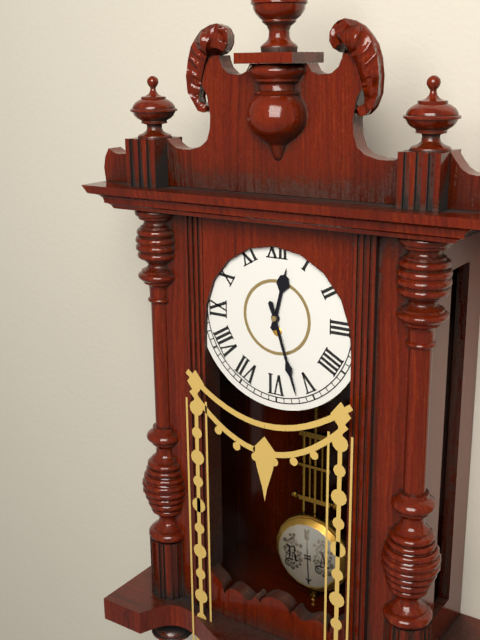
12:27
